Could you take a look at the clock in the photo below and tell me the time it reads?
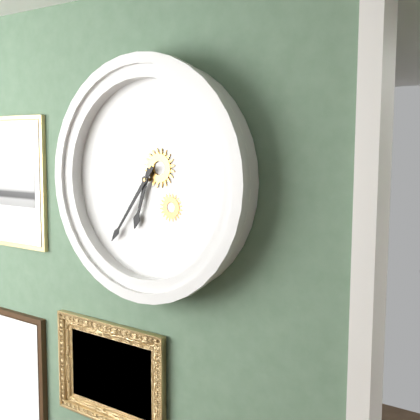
6:36
